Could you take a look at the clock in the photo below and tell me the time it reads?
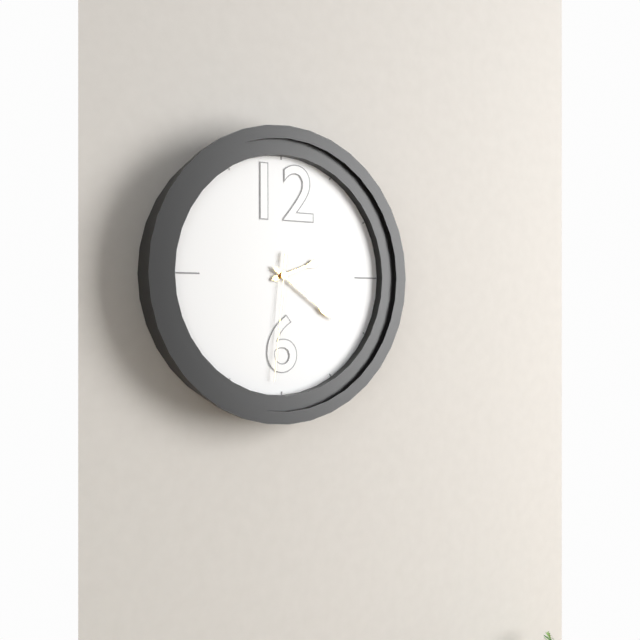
2:21:31
